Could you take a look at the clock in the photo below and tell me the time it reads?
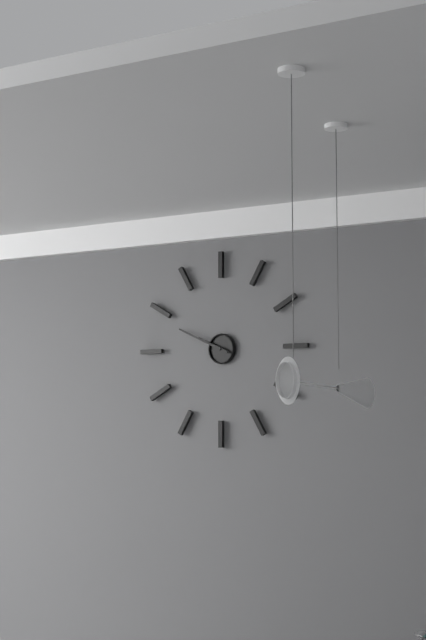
9:49
